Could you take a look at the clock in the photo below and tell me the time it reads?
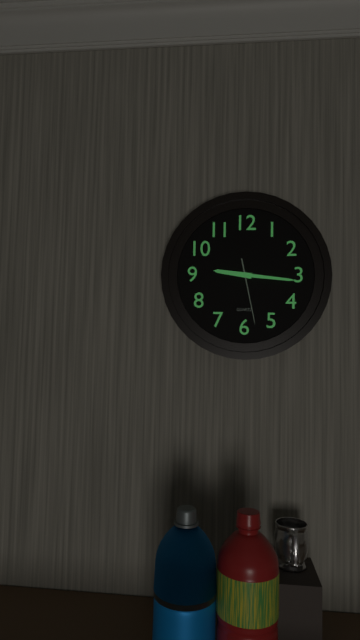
9:16:28
